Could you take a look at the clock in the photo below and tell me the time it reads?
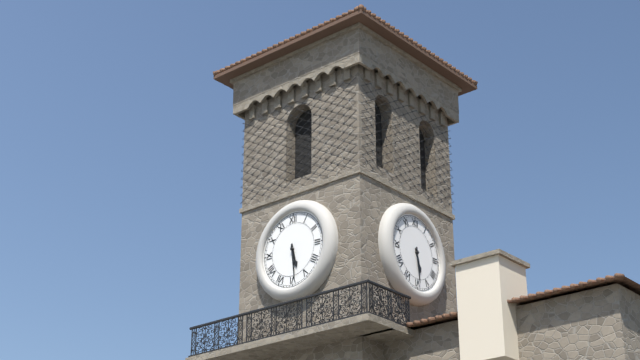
5:29
